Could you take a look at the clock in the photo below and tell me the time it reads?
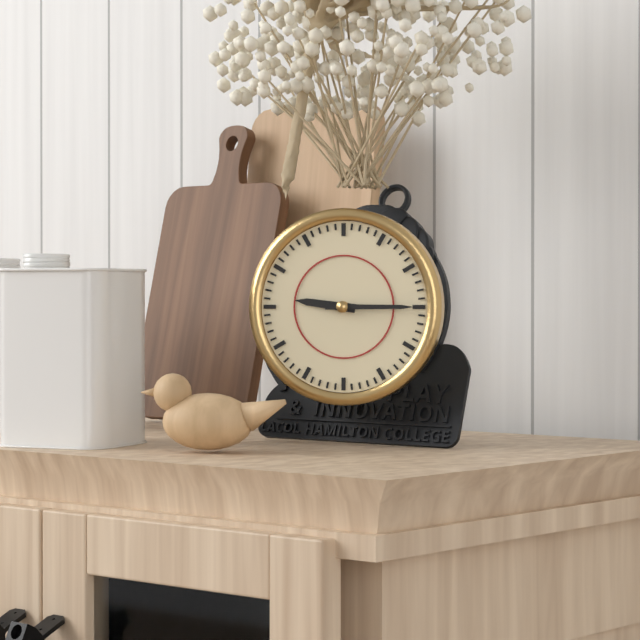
9:15
